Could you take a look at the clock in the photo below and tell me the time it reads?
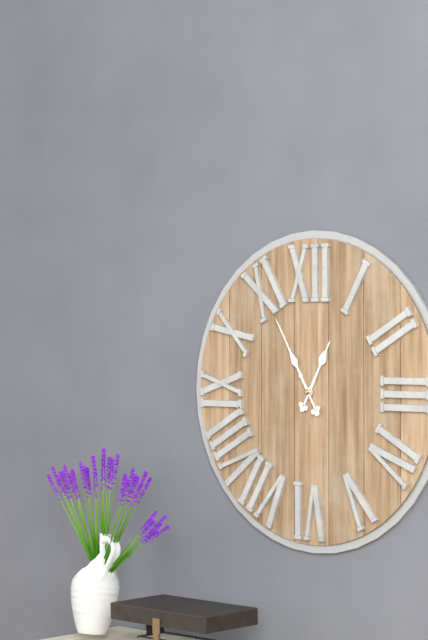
12:55
